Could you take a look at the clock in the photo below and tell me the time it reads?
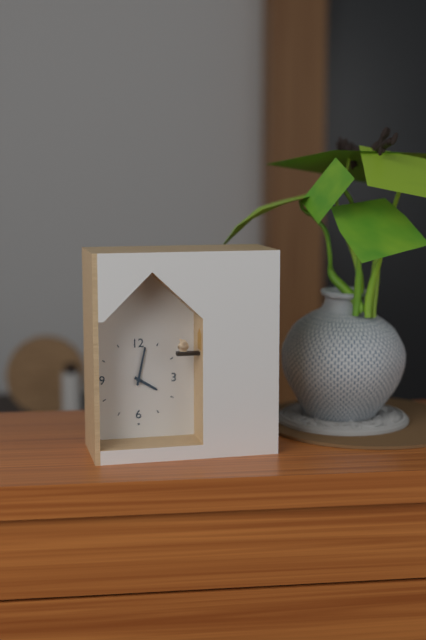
4:02
